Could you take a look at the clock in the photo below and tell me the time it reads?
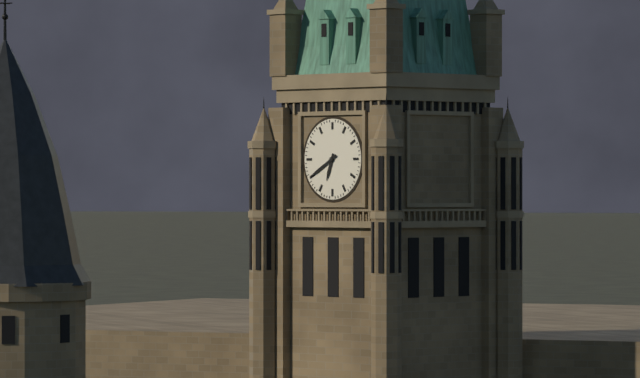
6:40
